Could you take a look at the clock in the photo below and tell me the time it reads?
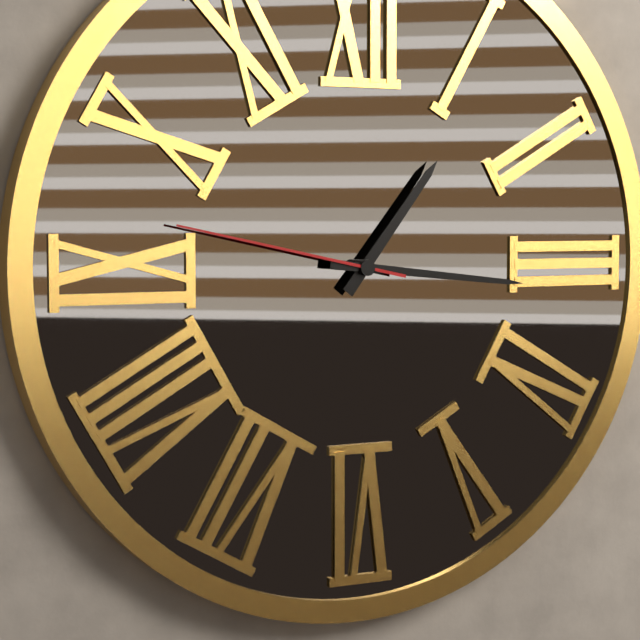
1:16:47
